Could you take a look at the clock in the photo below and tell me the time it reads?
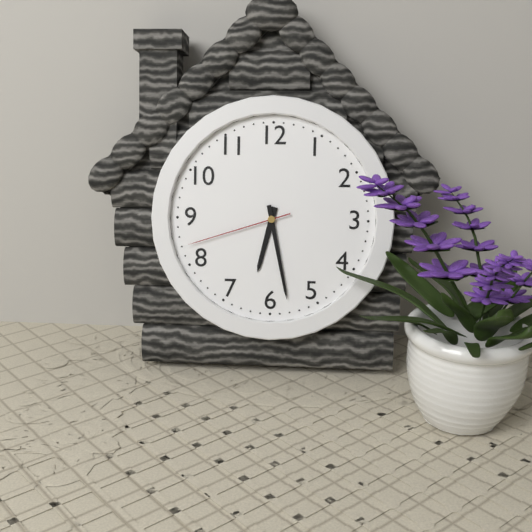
6:28:42
